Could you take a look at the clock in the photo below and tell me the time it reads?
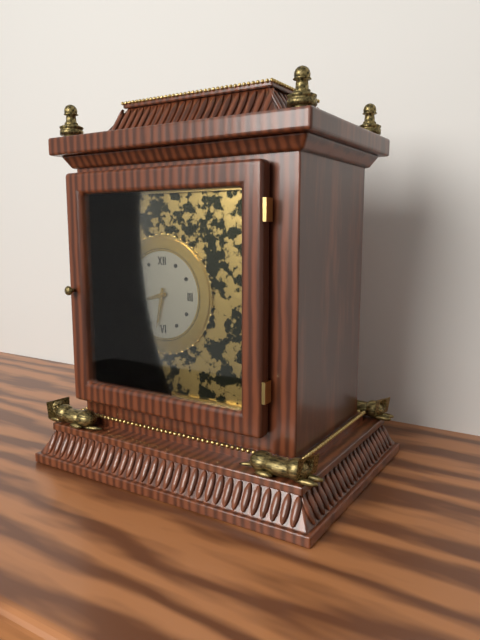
8:32
